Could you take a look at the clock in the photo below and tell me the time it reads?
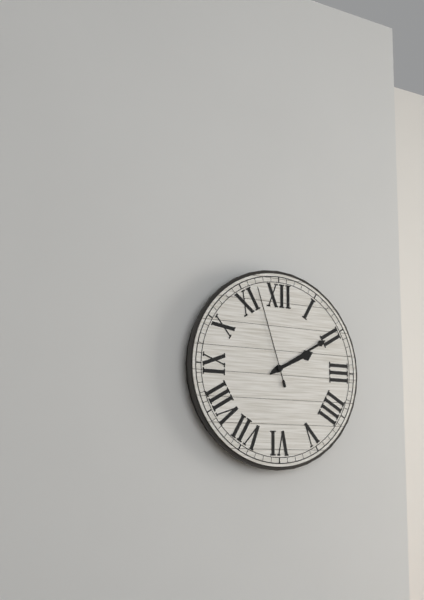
2:10:57
